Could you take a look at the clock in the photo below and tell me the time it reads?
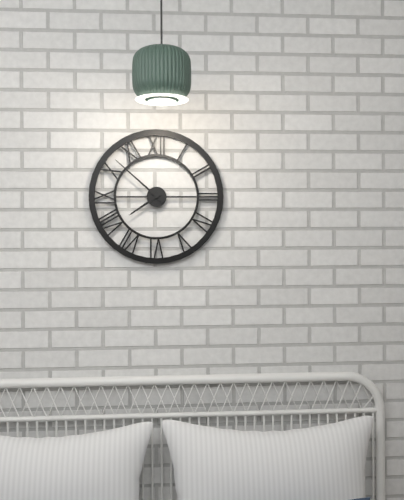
7:52
